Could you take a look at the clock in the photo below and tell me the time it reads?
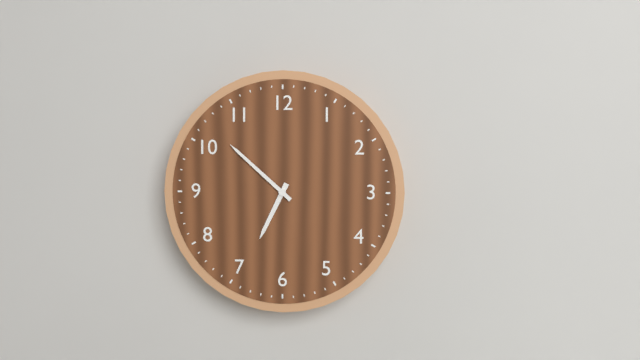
6:52
